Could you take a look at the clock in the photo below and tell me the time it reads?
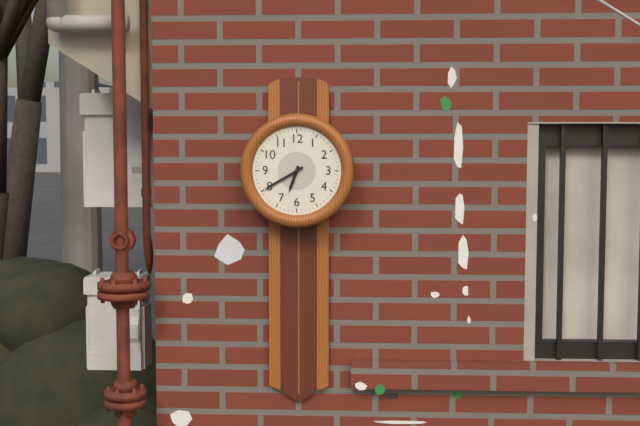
6:40
